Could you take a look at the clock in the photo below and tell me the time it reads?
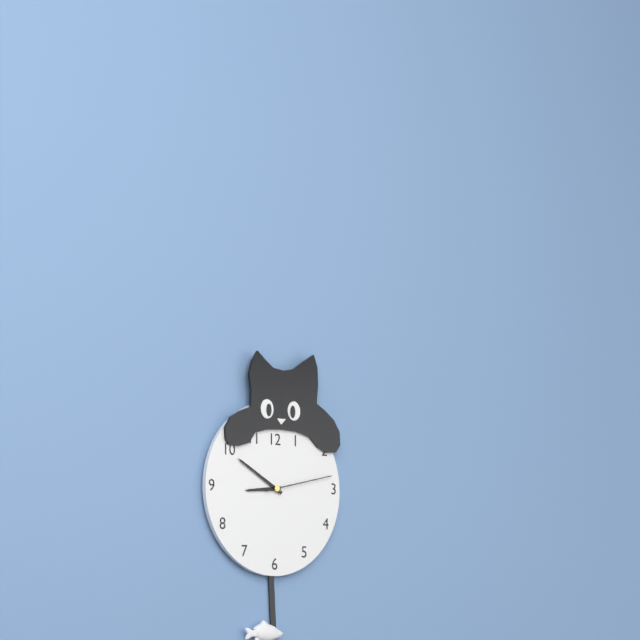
8:50:13
